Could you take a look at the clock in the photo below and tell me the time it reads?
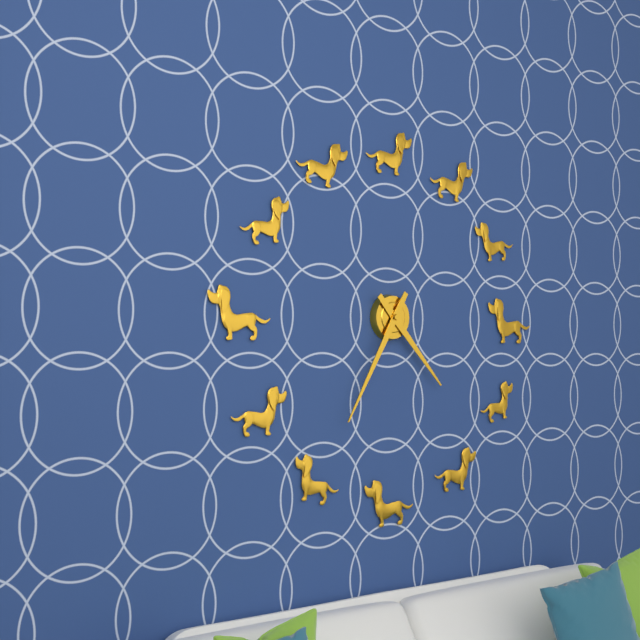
4:35
